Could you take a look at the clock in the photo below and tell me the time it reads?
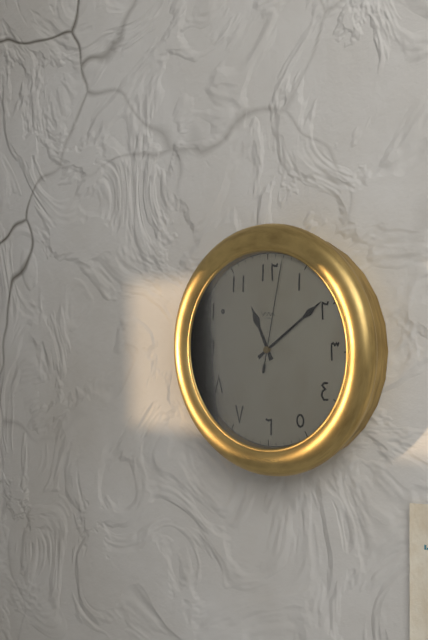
11:09:02
